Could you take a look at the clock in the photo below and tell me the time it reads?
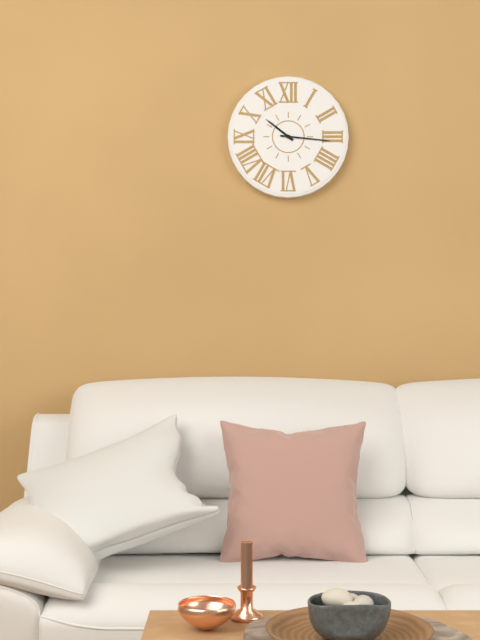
10:16
